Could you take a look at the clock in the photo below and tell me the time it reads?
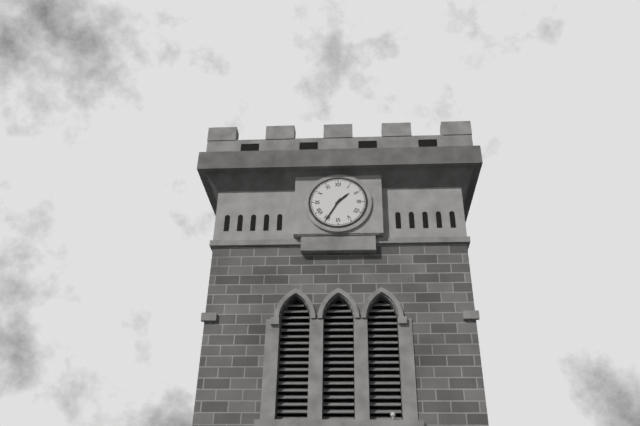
1:35
